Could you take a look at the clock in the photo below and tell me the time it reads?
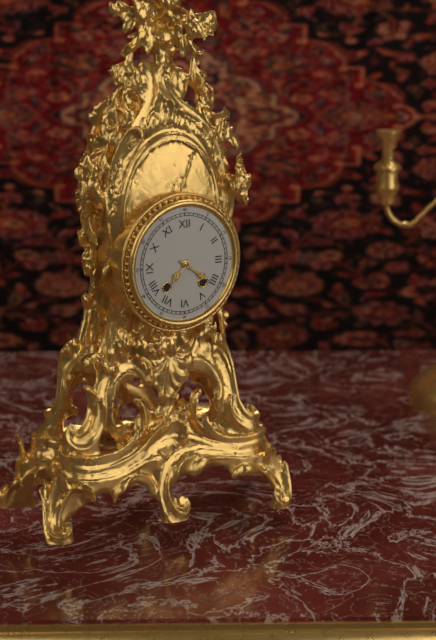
7:21
